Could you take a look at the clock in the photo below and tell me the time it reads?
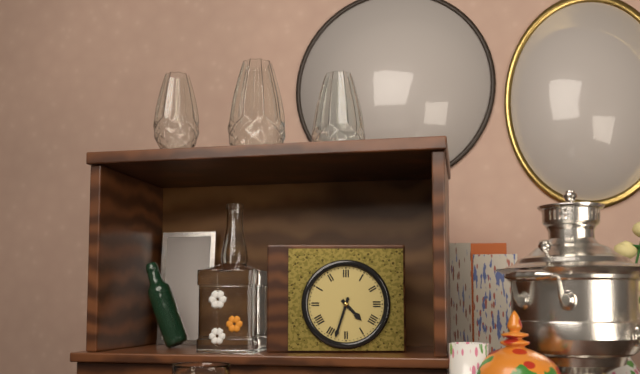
4:33
